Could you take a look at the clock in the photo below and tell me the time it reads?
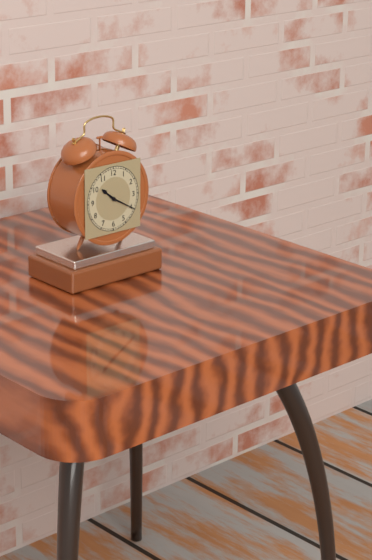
10:20
